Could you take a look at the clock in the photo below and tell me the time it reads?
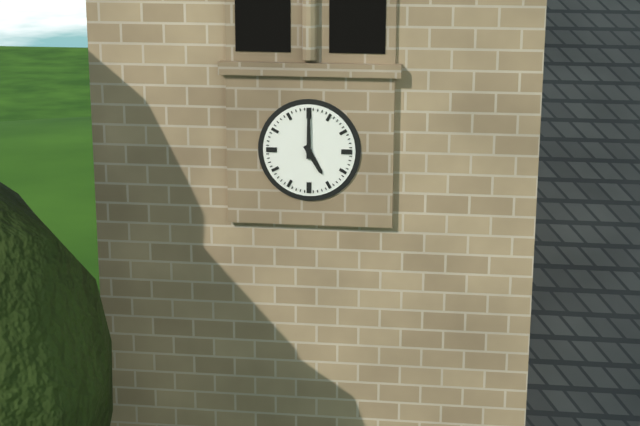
5:00
